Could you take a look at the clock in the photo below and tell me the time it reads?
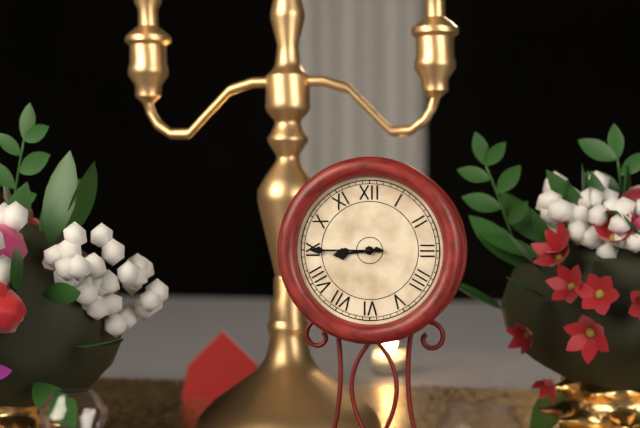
8:45
